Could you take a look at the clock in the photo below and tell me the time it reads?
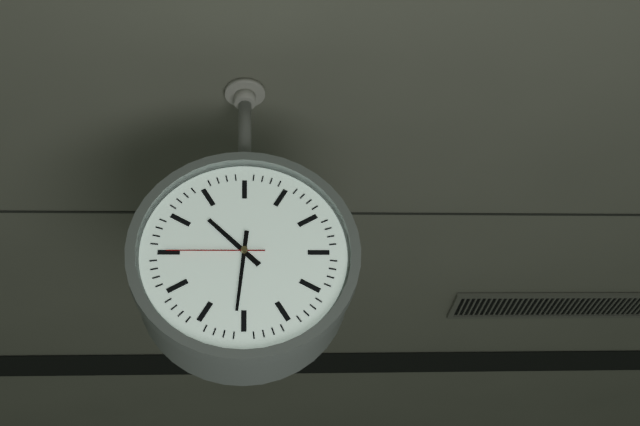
10:31:45
